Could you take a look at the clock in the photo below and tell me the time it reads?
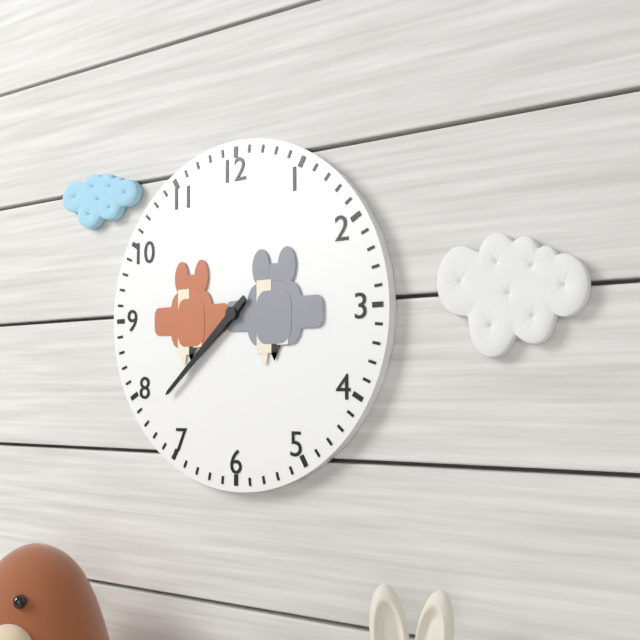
7:38
